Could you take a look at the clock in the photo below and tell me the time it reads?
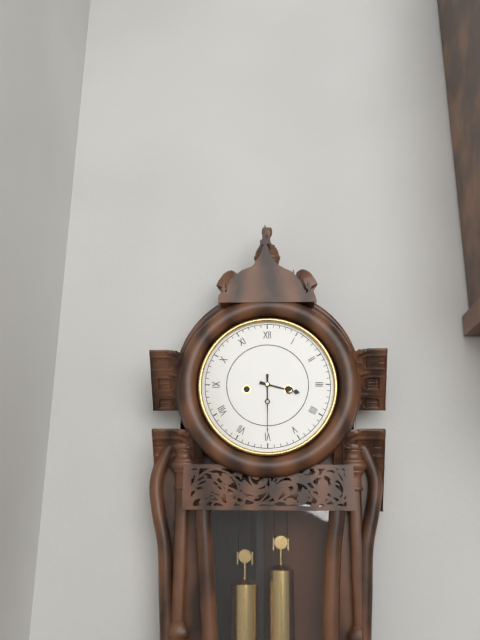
3:30
